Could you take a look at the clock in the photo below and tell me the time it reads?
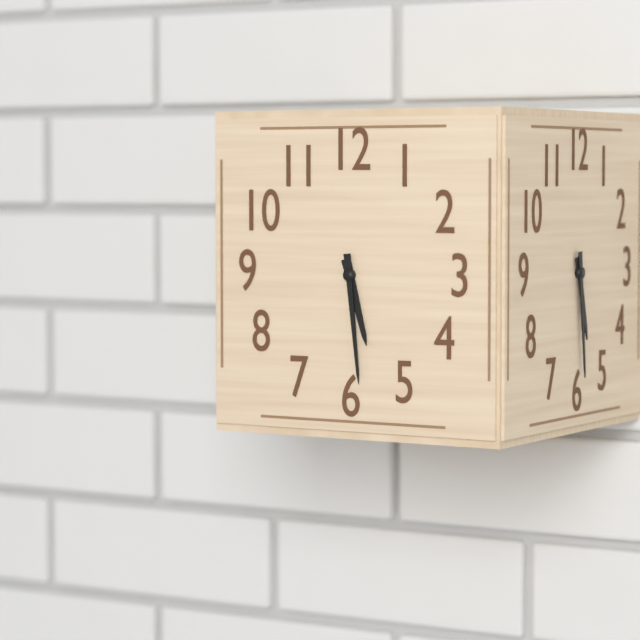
5:29
